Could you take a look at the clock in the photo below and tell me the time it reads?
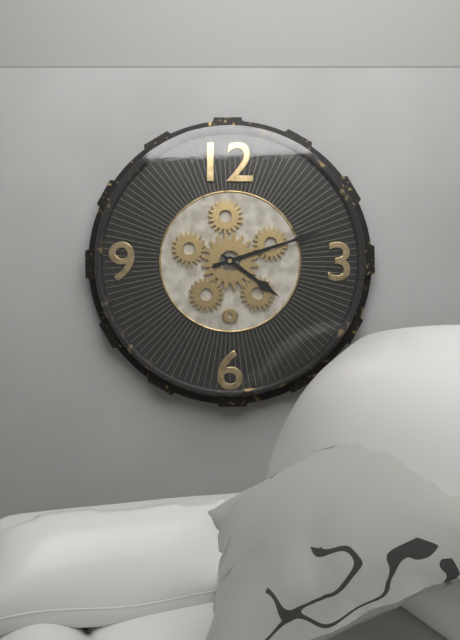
4:12
